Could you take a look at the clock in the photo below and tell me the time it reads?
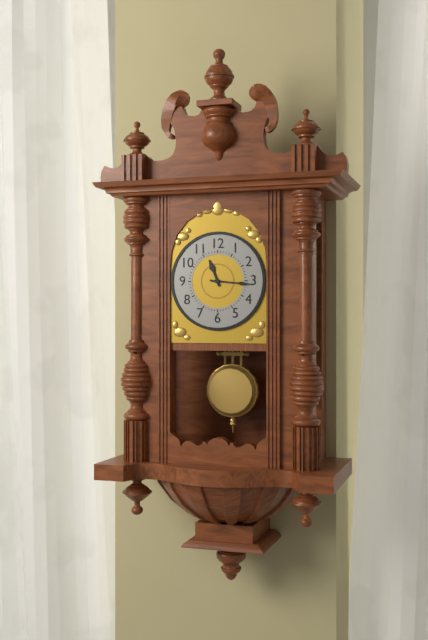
11:16
